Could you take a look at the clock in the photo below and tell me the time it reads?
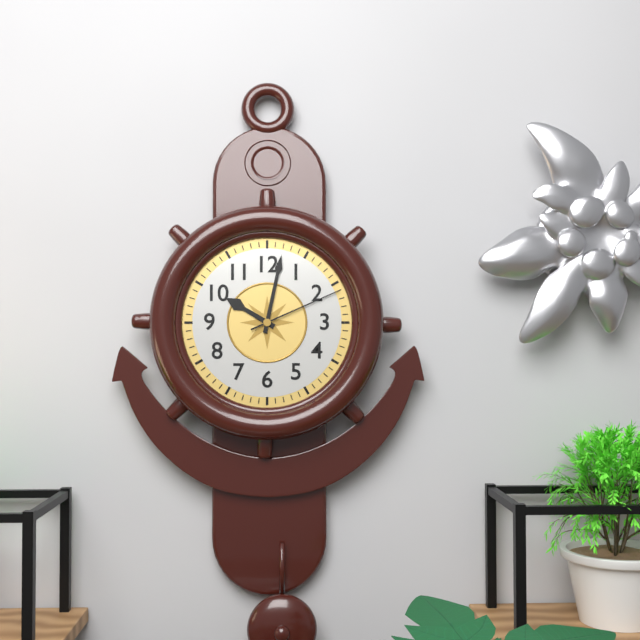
10:02:11
